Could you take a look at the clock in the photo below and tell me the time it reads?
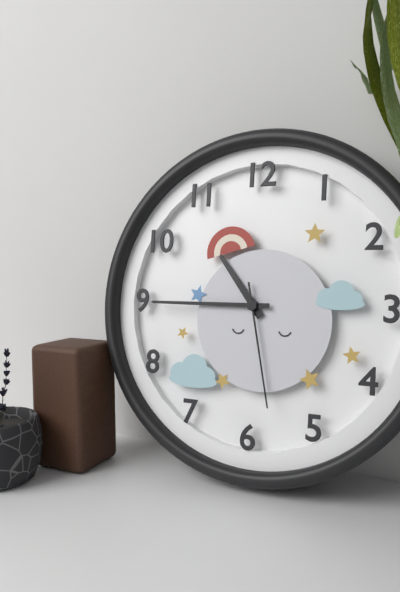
10:45:28
